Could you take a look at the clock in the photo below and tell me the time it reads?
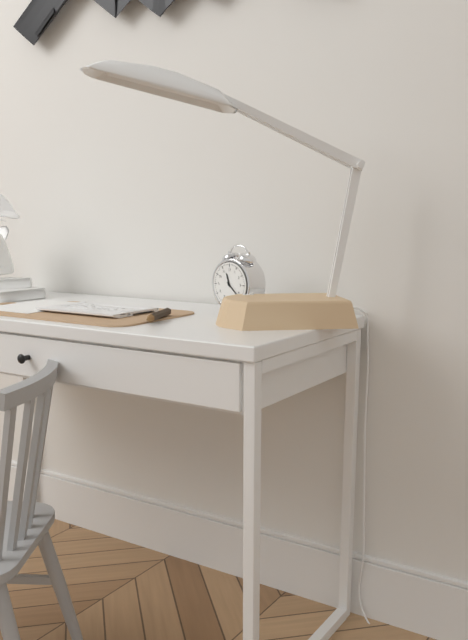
11:22
